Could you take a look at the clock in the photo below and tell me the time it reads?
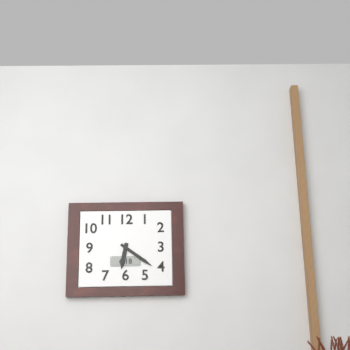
6:21
